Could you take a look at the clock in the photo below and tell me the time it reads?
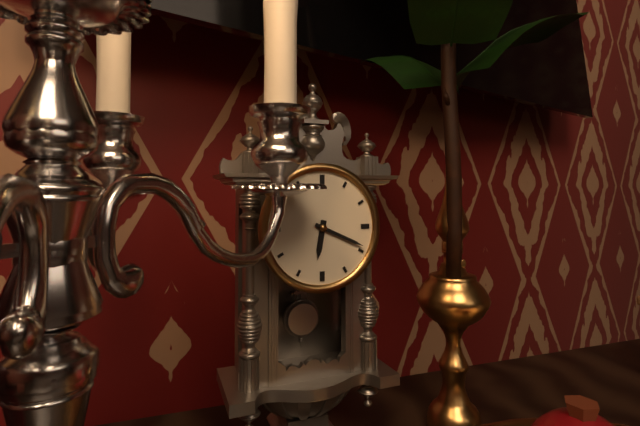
6:19
